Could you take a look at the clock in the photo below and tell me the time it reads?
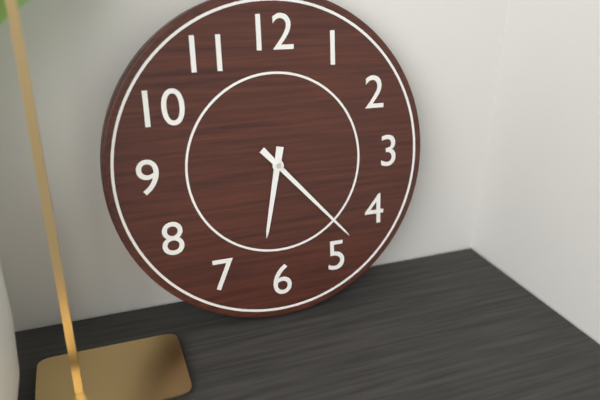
6:23
